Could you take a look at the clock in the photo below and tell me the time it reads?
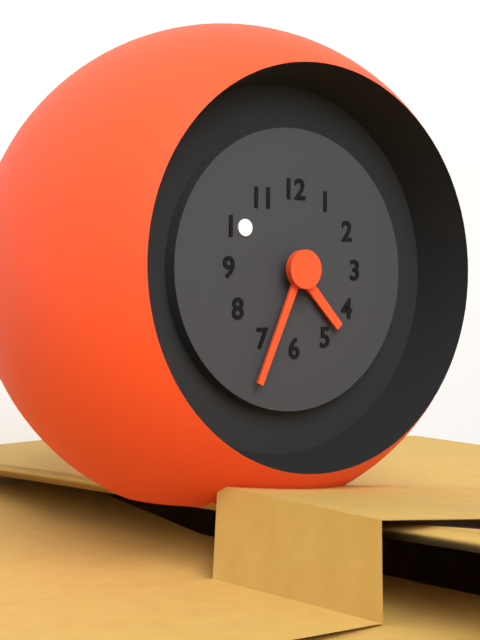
4:34
